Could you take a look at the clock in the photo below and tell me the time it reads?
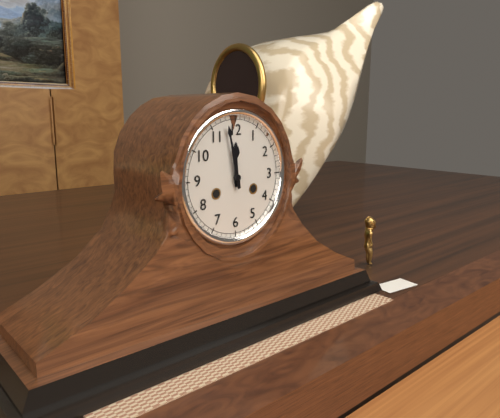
11:58
